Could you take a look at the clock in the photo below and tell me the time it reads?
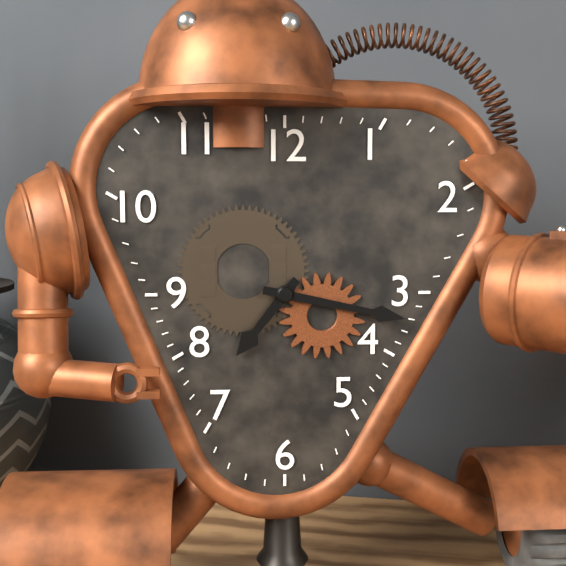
7:17
